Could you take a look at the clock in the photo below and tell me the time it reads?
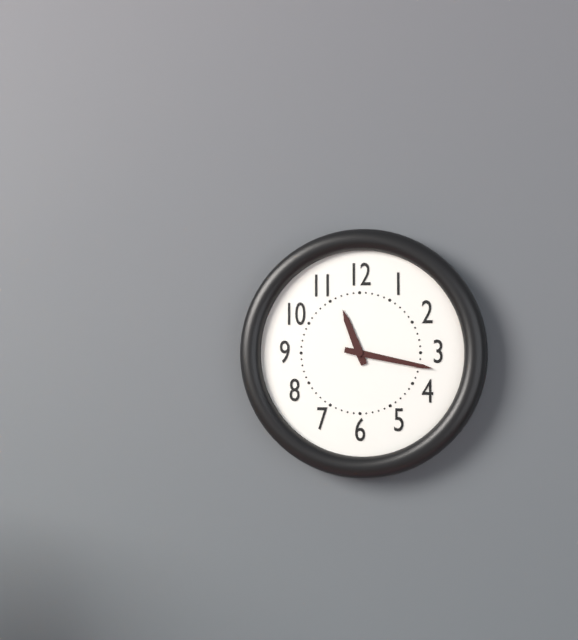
11:17
